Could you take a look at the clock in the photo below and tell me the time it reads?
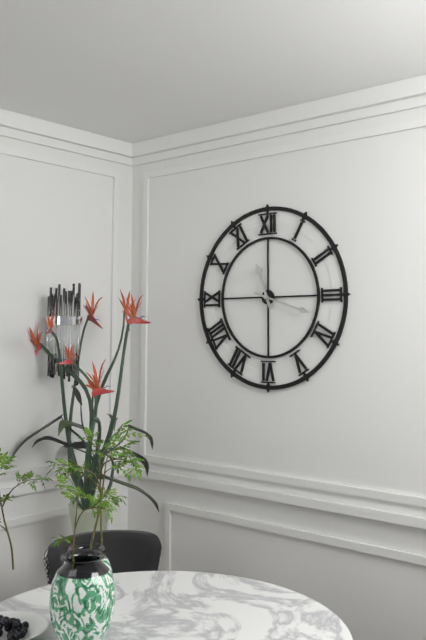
11:18
